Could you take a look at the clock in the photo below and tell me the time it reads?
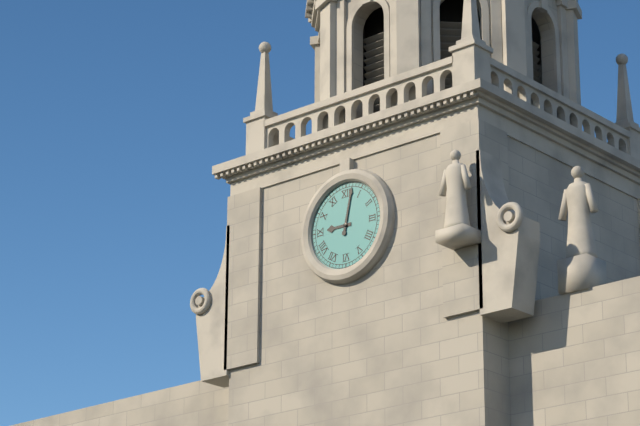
9:02
